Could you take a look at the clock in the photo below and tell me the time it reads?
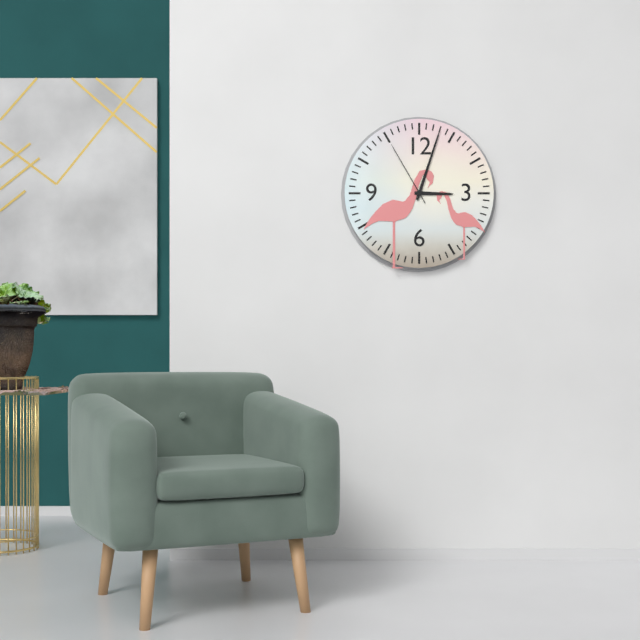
3:03:55
